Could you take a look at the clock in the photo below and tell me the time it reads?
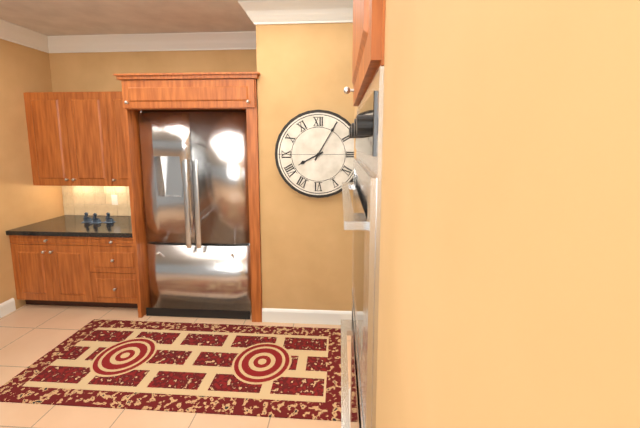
8:05
